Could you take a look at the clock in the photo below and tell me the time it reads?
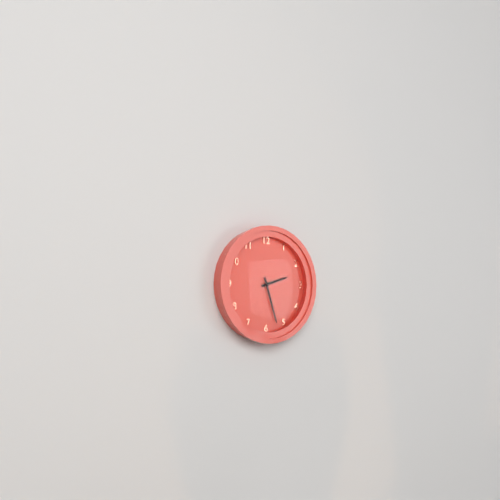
2:27
